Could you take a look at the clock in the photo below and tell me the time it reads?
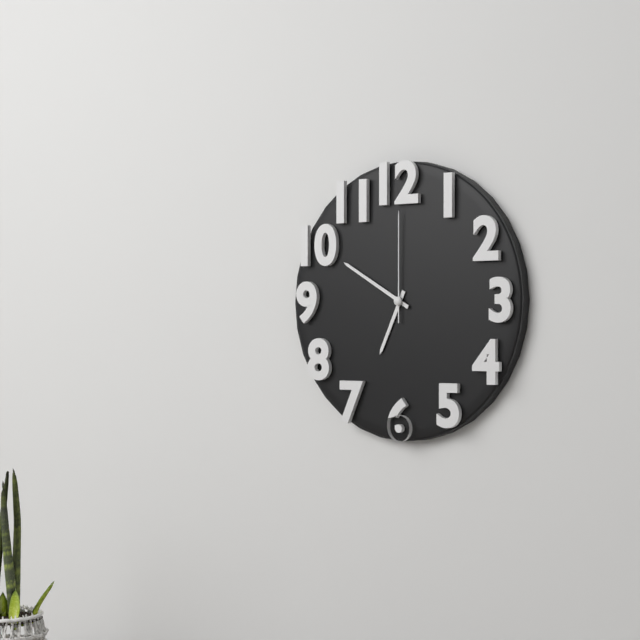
6:50:00
